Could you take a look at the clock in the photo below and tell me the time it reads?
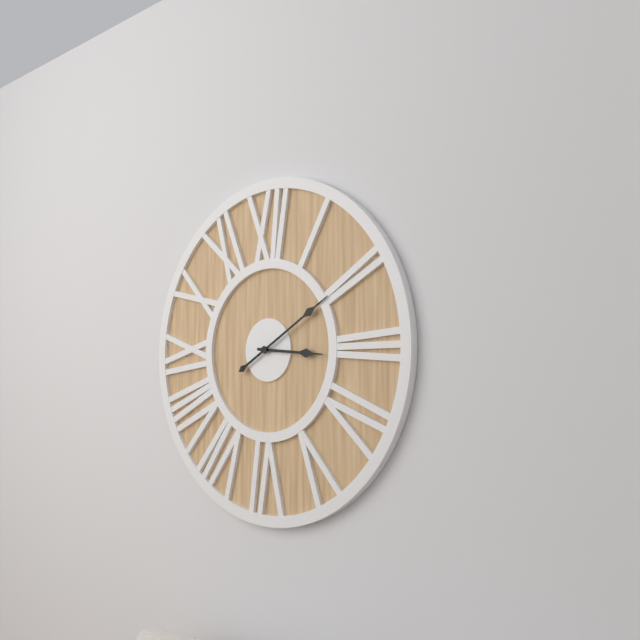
3:10
